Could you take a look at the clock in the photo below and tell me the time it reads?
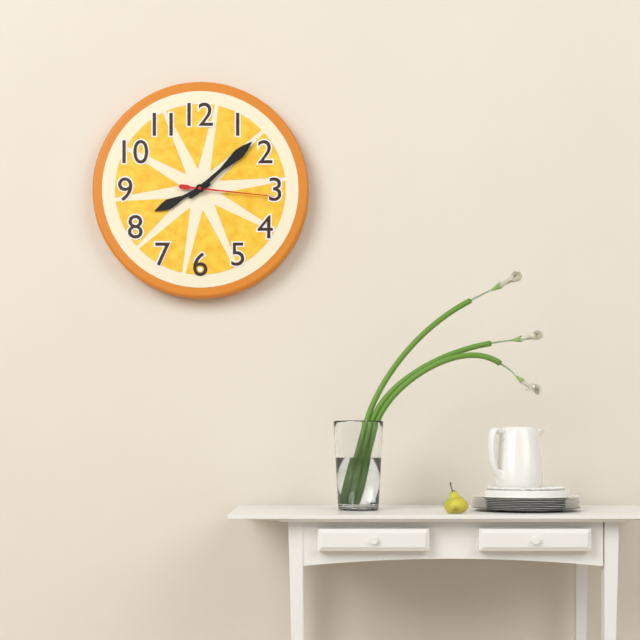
8:08:16
